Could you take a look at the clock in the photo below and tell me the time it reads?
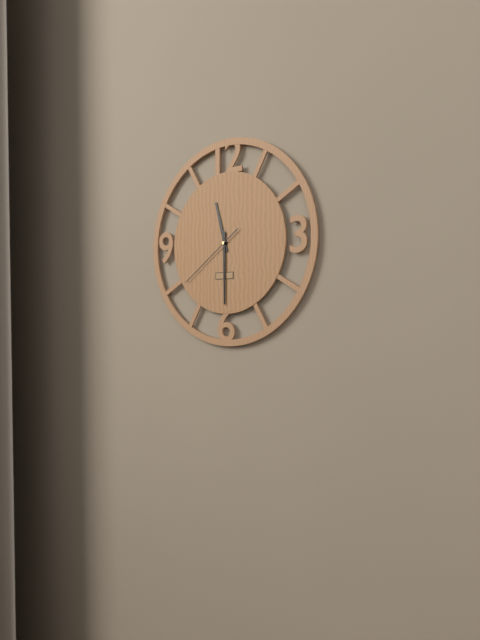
11:30:39
